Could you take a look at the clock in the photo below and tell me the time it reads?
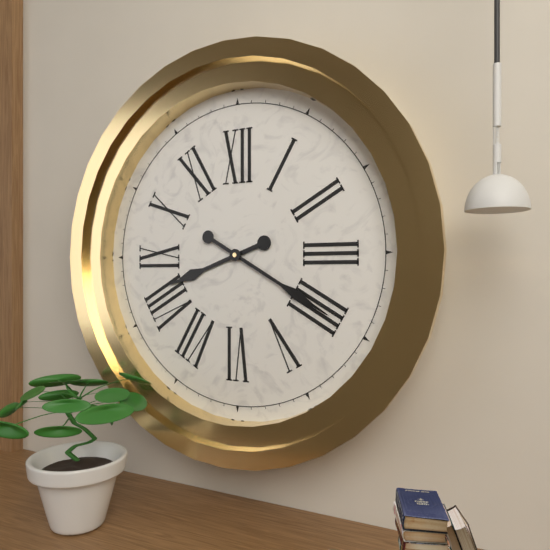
8:20
